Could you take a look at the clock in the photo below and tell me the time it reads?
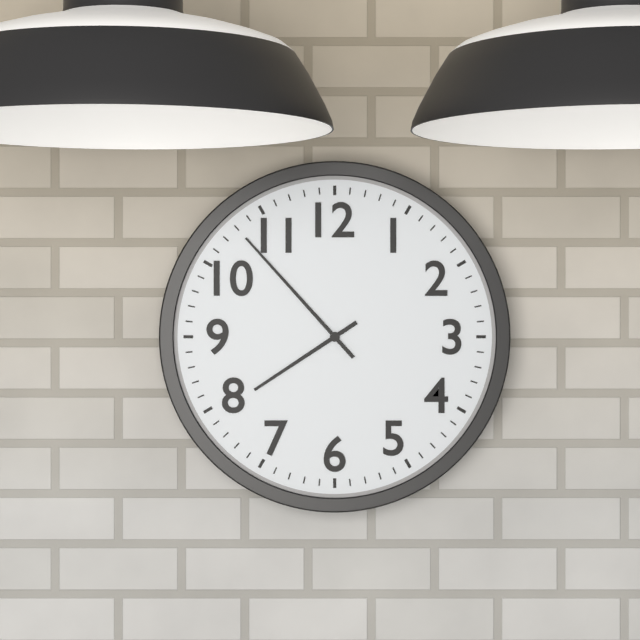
7:53
